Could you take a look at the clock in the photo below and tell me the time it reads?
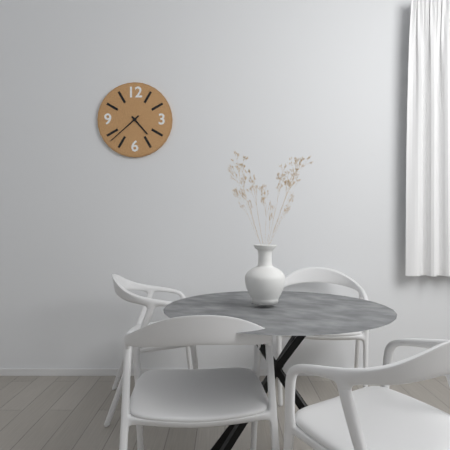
4:38
